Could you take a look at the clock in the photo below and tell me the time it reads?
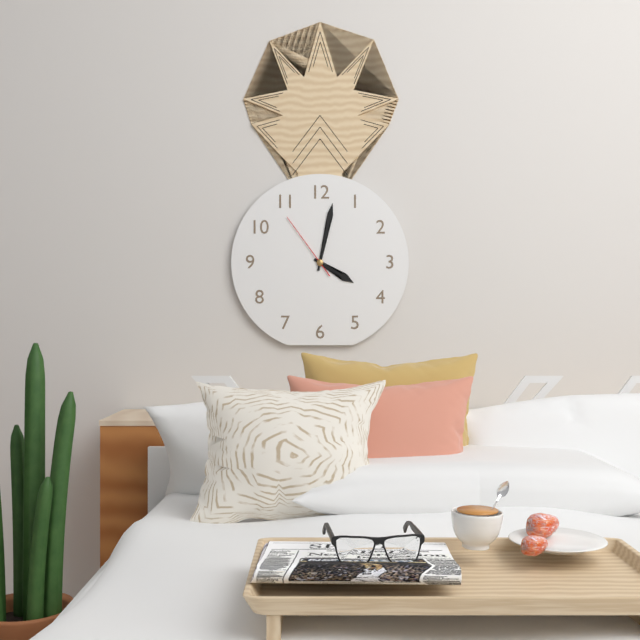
4:02:54
